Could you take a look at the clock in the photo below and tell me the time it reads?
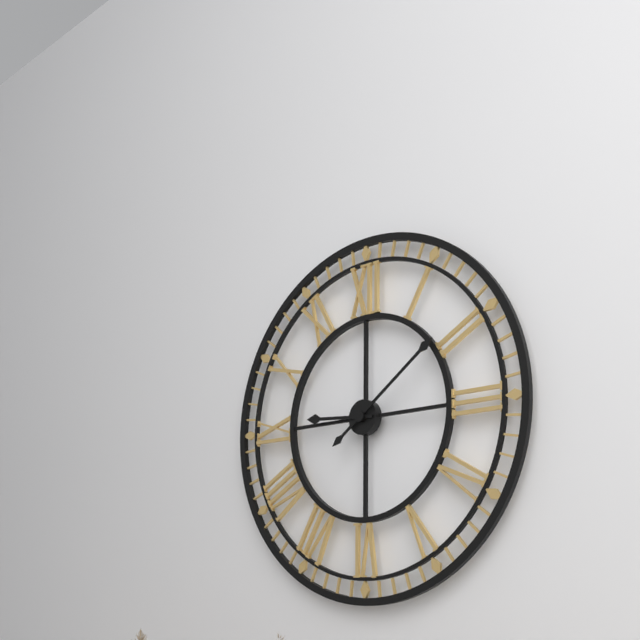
9:09
